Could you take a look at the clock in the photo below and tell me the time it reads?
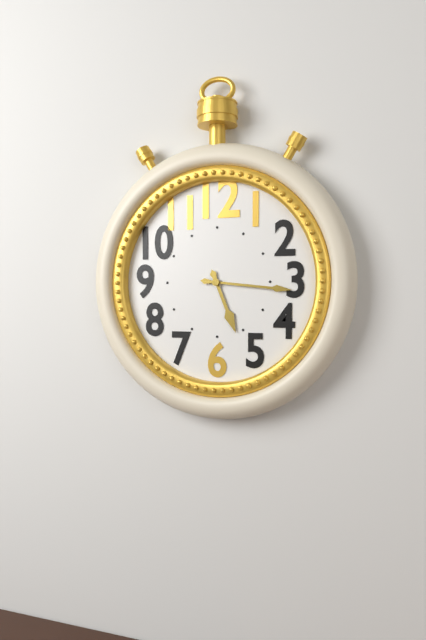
5:16
